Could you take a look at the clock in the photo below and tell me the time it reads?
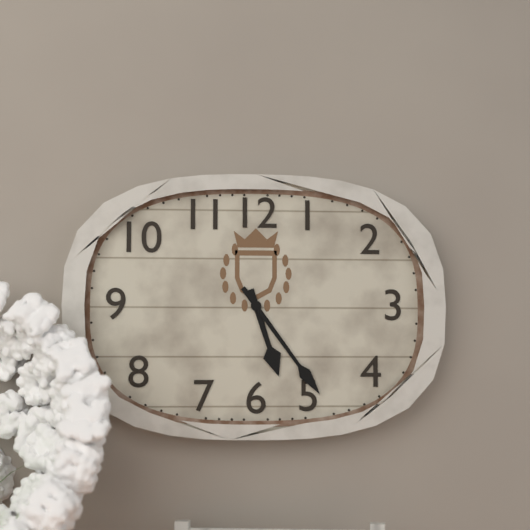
5:24
